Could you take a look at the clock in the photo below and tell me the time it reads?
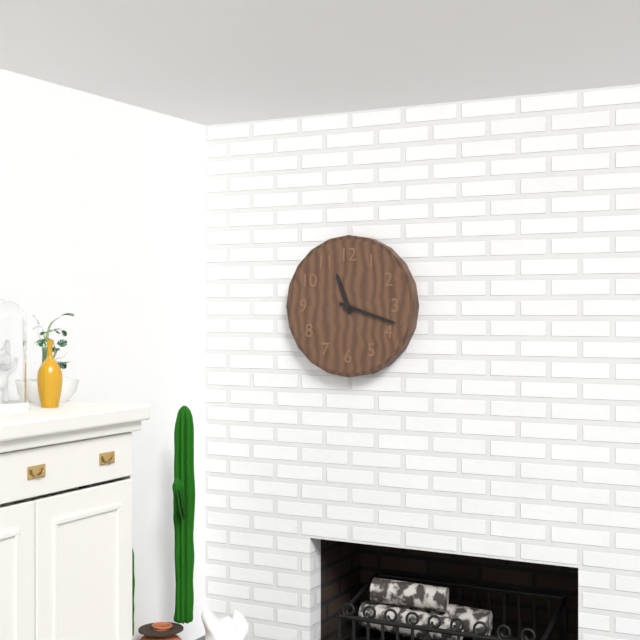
11:18
